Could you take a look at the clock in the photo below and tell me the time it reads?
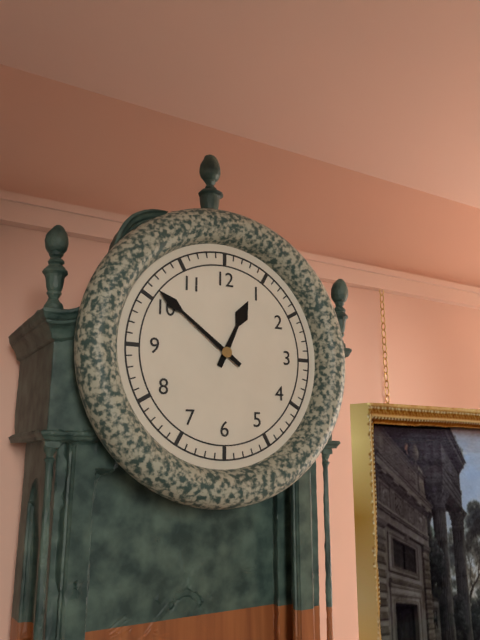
12:51
